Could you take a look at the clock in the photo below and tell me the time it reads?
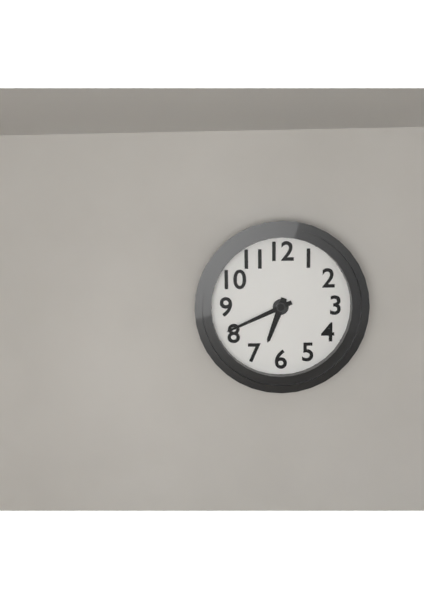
6:41
